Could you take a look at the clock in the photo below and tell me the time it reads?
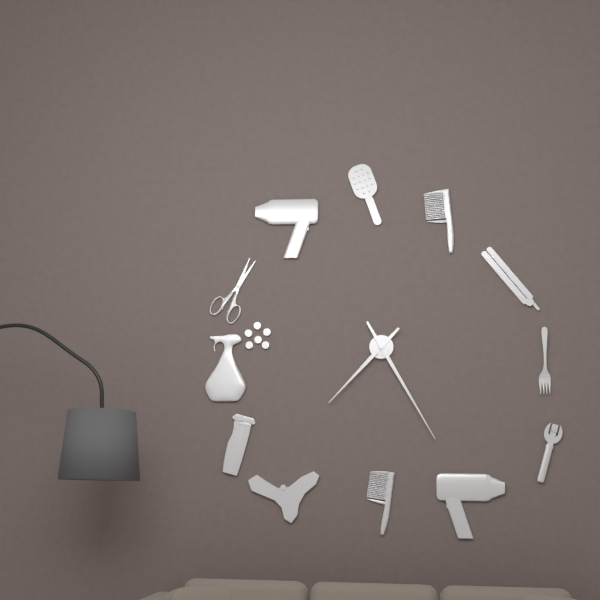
7:25
